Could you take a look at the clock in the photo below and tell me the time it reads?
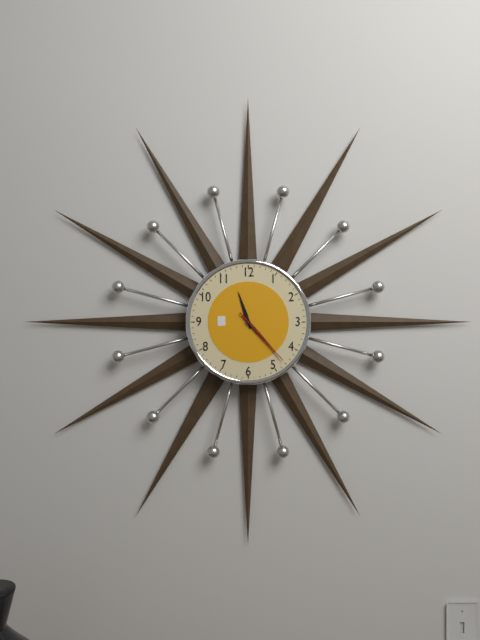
11:23:23
